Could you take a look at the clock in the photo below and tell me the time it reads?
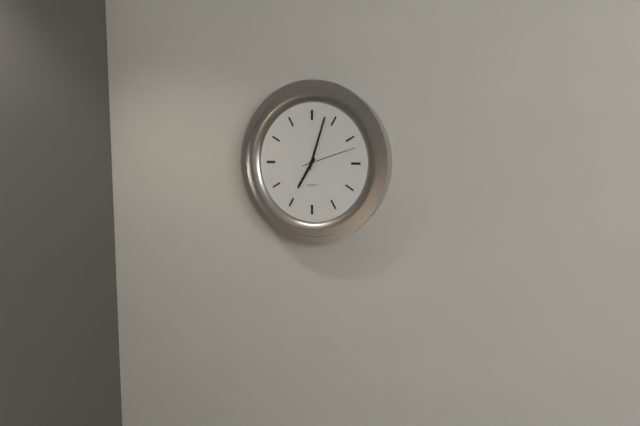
7:03:12
